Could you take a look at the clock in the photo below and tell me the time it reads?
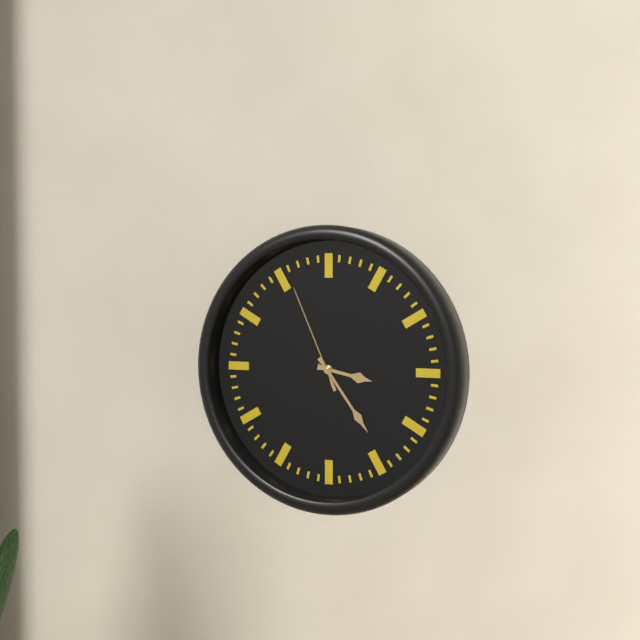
3:24:56
